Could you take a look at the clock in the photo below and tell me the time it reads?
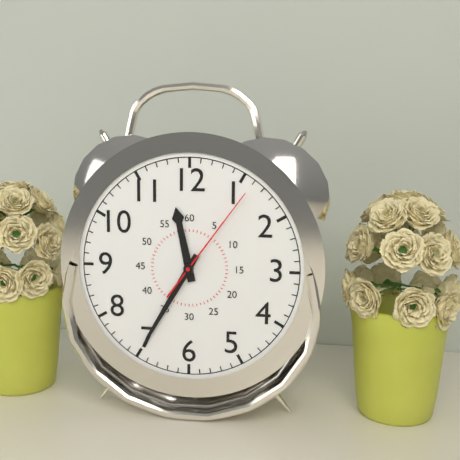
11:35:06
